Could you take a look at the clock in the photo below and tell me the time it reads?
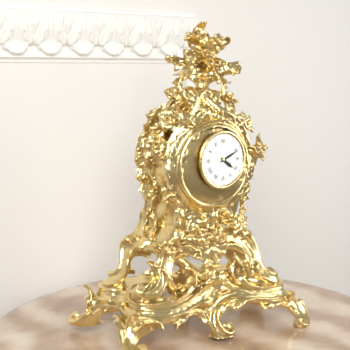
4:11
